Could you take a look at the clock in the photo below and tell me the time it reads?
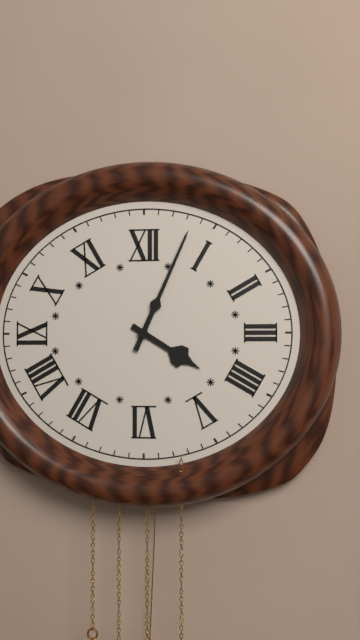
4:04
